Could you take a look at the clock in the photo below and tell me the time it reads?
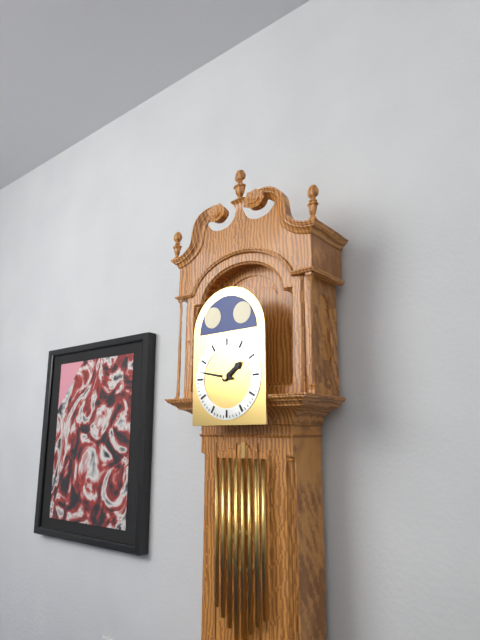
1:47
